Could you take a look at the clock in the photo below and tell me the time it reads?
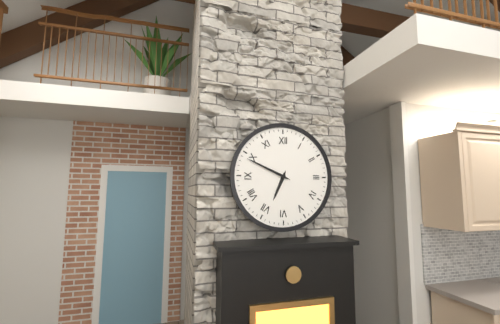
6:49
